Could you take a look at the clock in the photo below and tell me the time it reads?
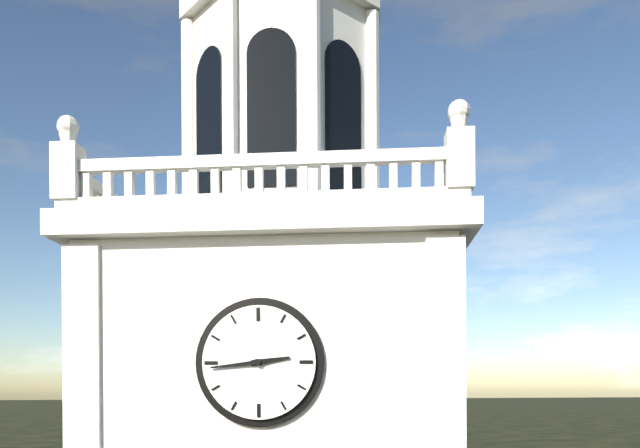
2:44
